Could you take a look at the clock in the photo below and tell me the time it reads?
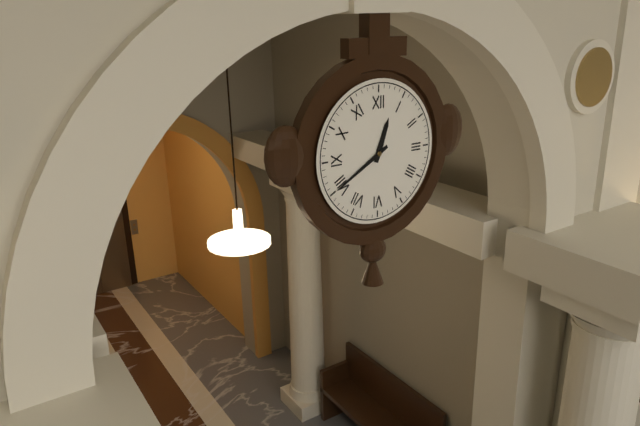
12:40
